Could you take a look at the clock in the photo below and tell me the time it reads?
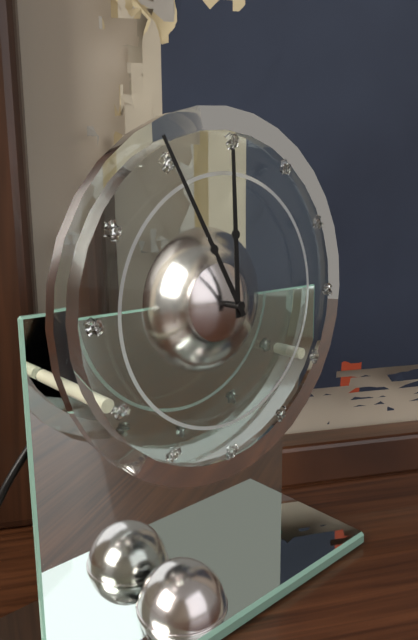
11:55
